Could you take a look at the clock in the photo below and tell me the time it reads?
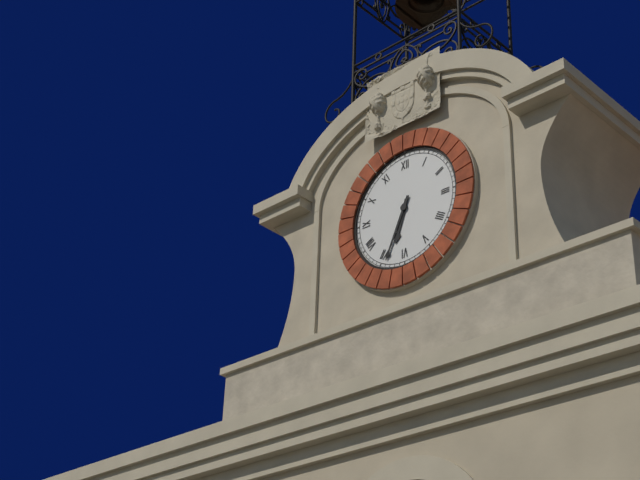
6:34
